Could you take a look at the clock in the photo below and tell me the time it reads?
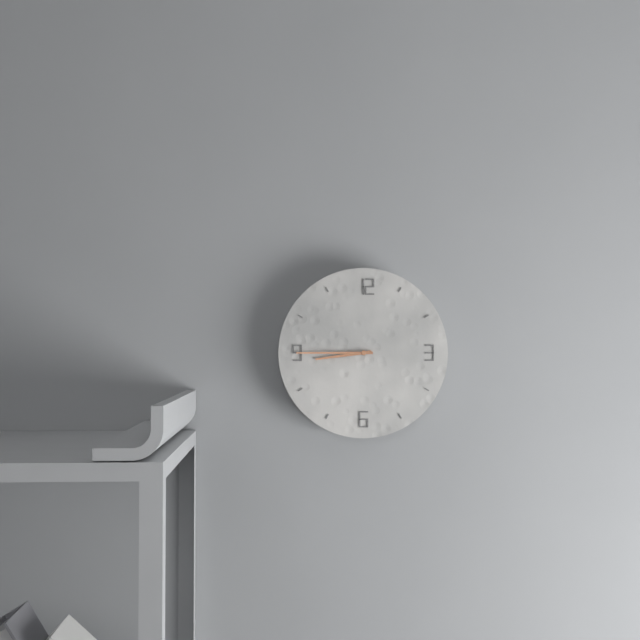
8:45
